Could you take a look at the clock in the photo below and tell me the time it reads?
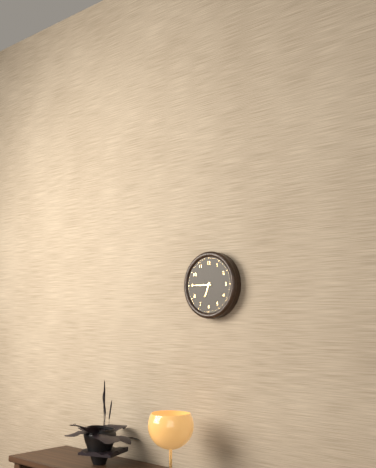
6:45
